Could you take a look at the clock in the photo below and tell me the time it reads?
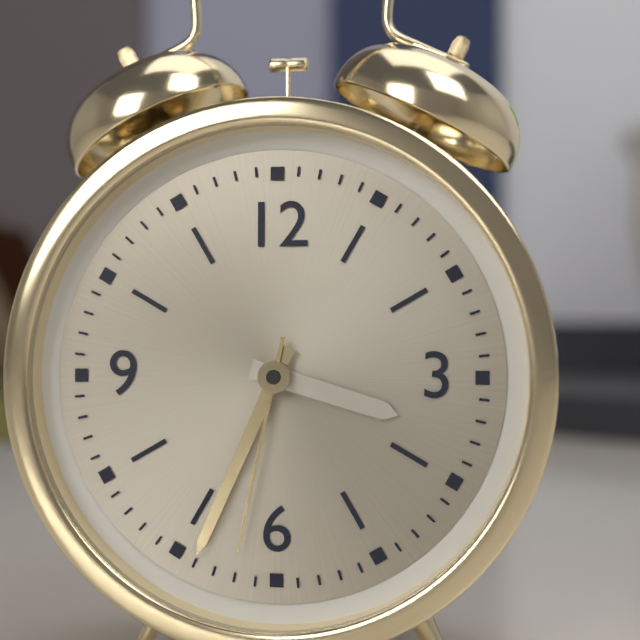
3:34:32
